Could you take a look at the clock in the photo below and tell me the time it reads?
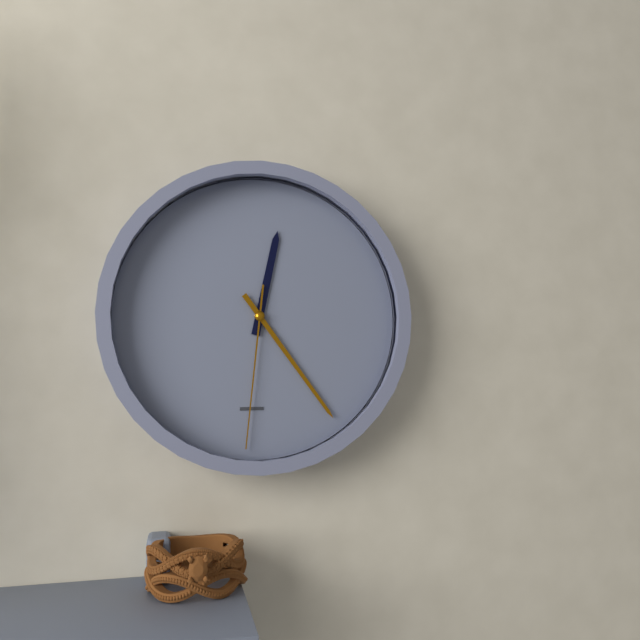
12:24:31
